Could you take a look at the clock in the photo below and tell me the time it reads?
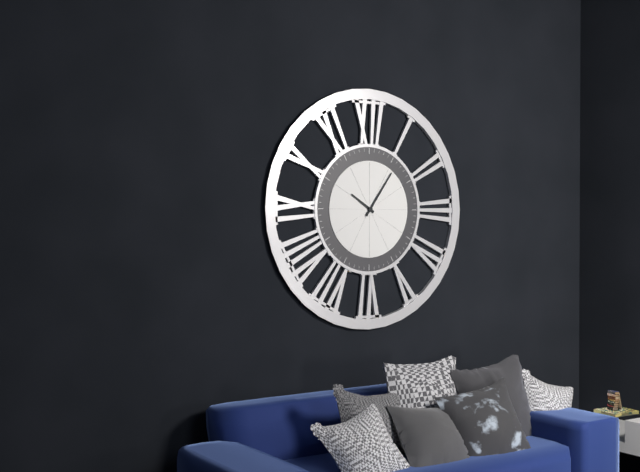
10:06
